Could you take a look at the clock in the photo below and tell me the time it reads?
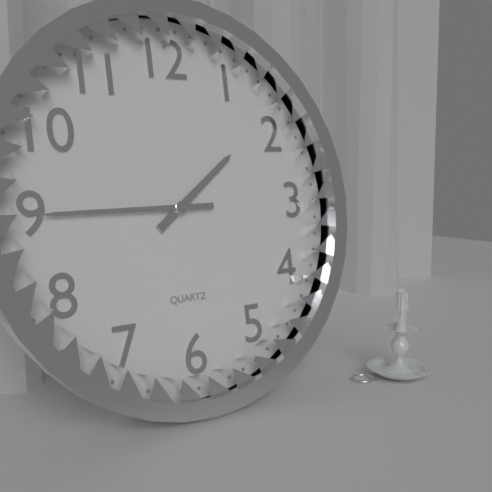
1:45
